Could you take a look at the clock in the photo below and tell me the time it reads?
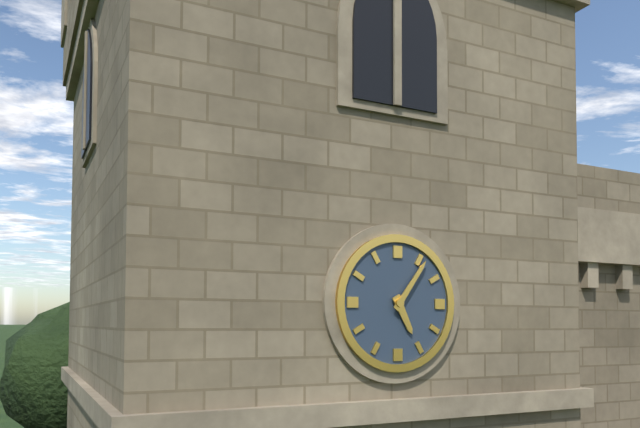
5:06
